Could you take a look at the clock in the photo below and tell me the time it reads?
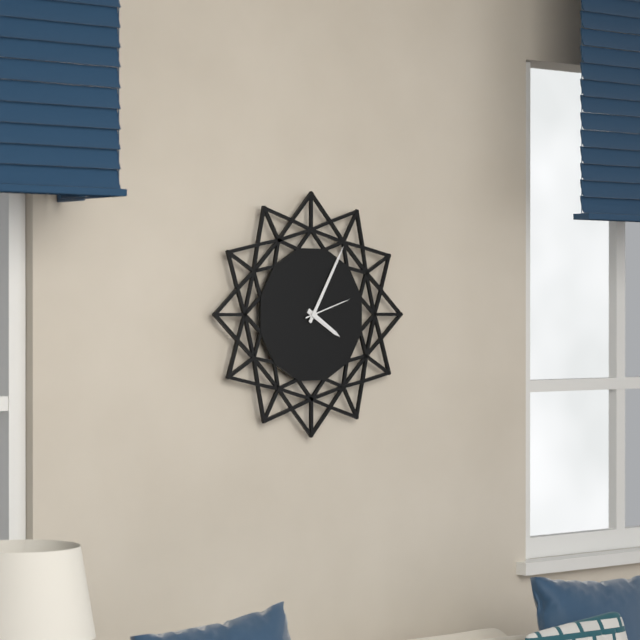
4:05:12
